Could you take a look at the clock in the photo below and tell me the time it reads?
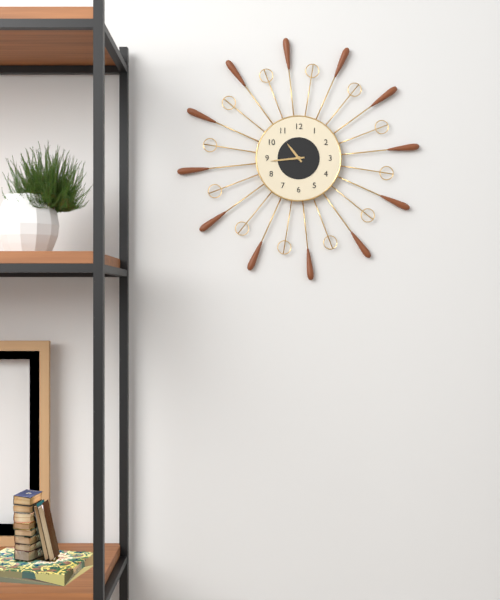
10:44
